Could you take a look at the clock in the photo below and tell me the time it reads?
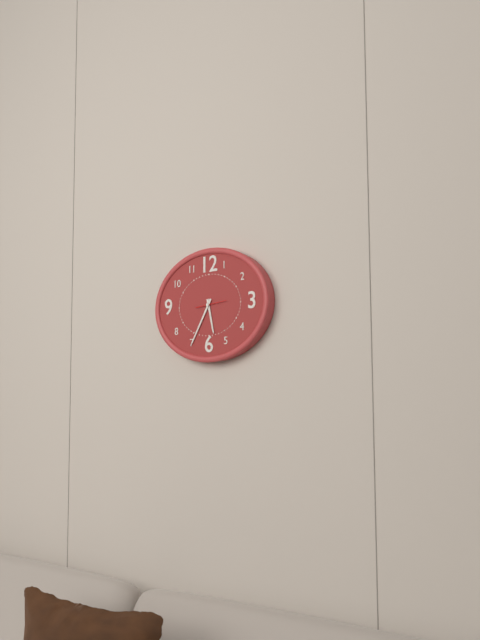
5:35
